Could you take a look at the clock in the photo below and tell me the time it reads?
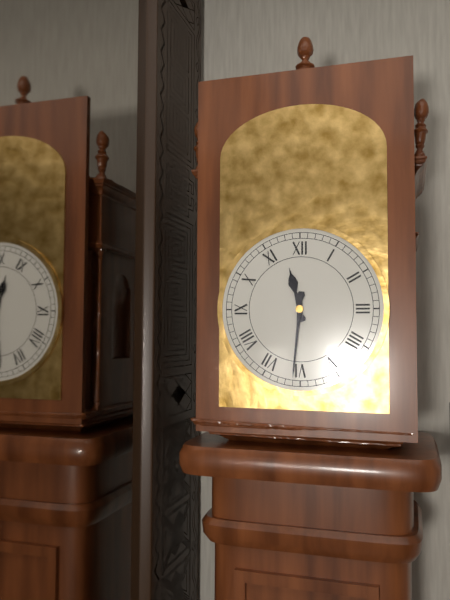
11:31
